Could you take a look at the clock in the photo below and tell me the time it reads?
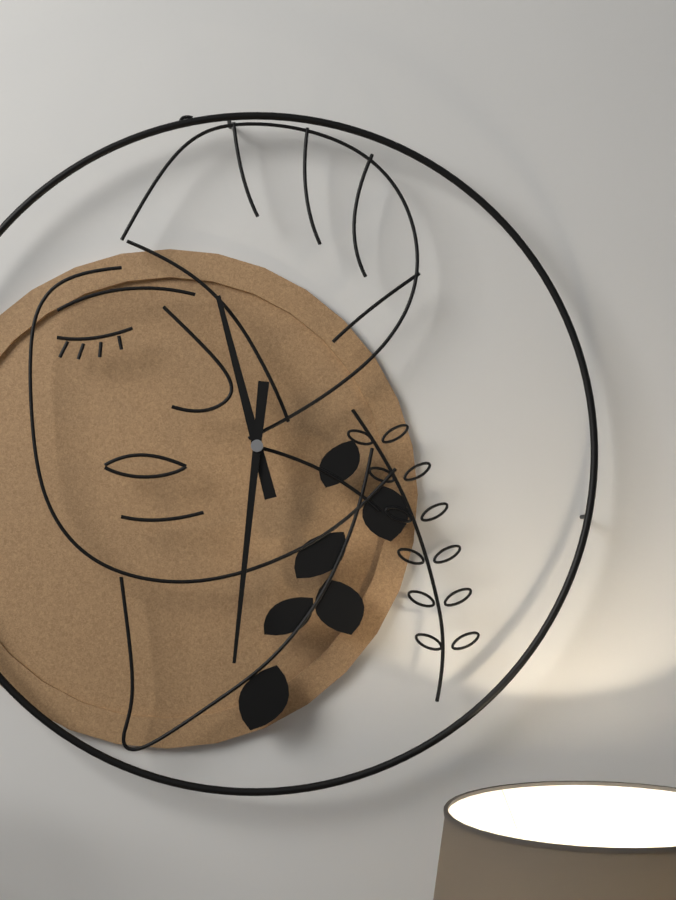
11:31
